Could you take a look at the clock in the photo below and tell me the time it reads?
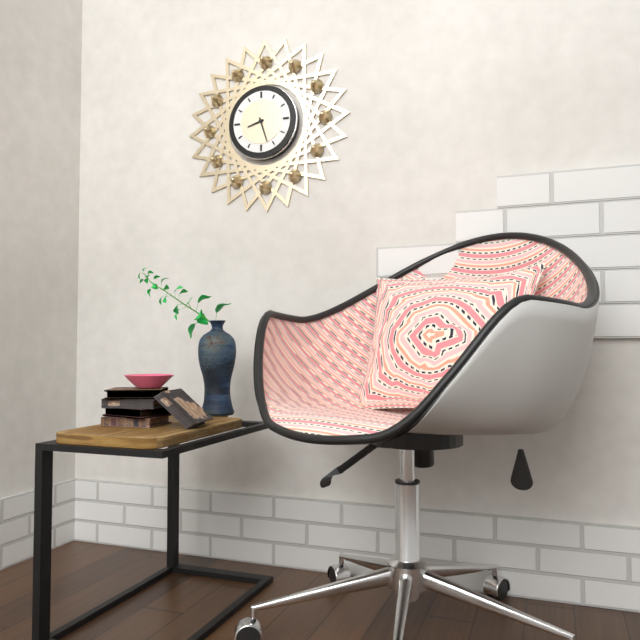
8:27
